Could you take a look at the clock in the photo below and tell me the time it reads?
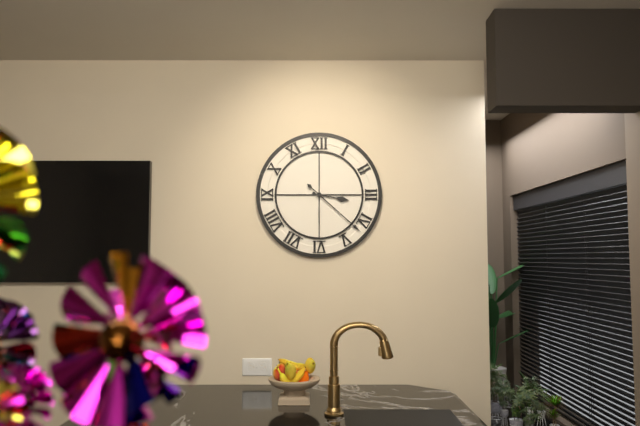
3:22
